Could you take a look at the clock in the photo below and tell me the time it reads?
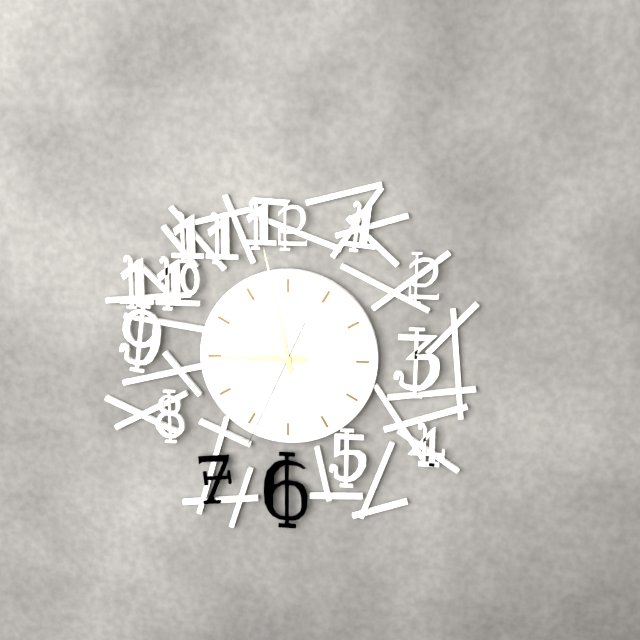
8:58:34
